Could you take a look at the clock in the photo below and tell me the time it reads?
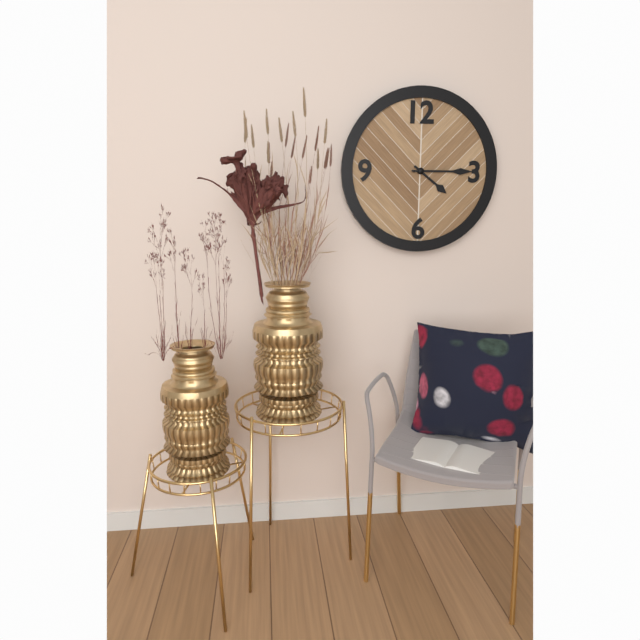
4:15
